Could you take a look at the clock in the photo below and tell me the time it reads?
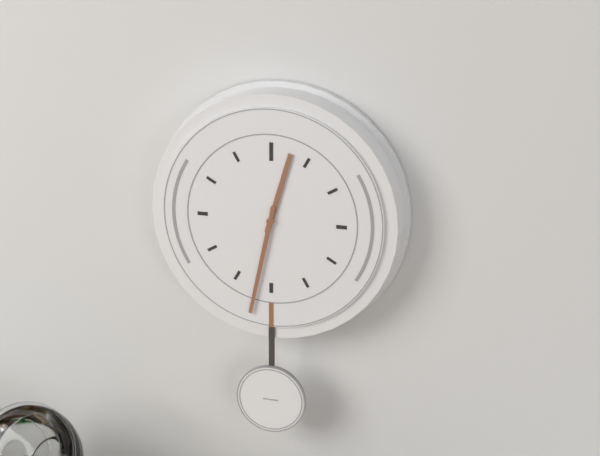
12:32
